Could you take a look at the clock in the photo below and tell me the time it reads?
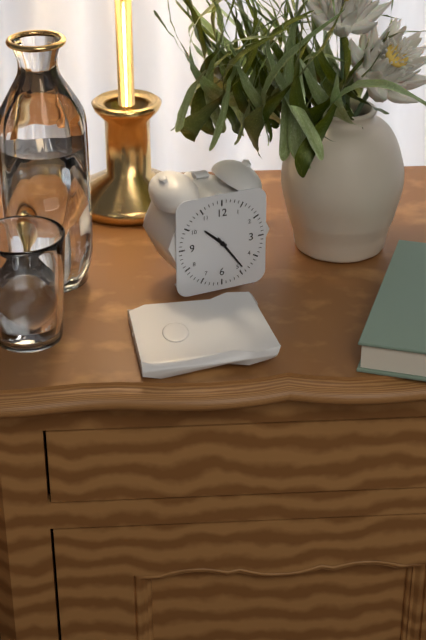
10:24
